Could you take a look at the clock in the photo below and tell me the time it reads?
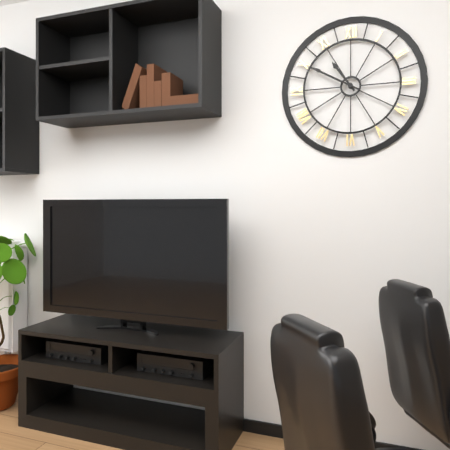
10:50
